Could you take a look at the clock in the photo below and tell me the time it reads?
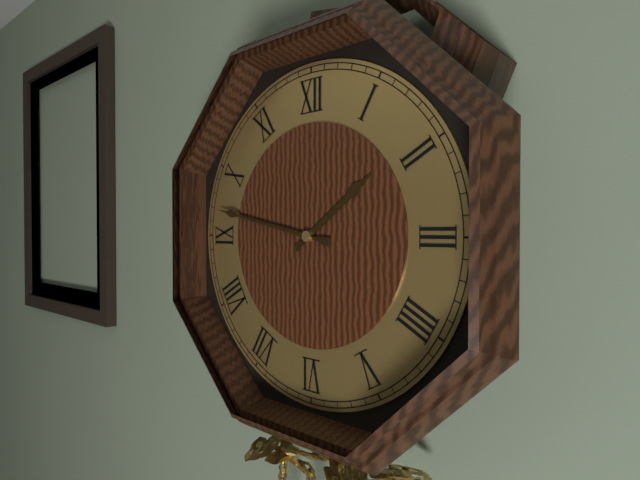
1:47
